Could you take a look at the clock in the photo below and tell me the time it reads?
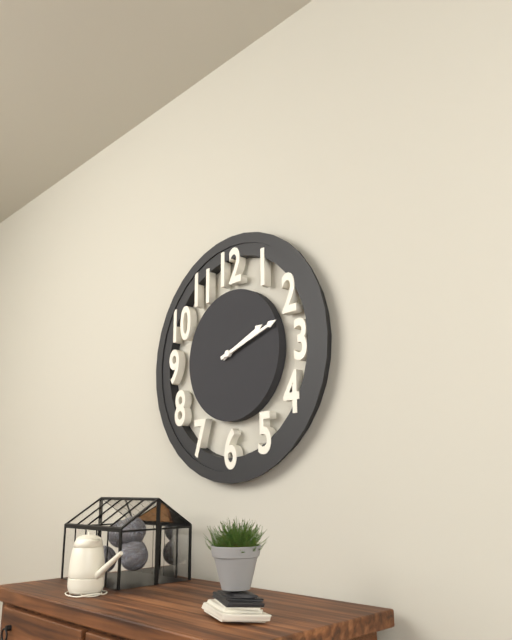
2:12
